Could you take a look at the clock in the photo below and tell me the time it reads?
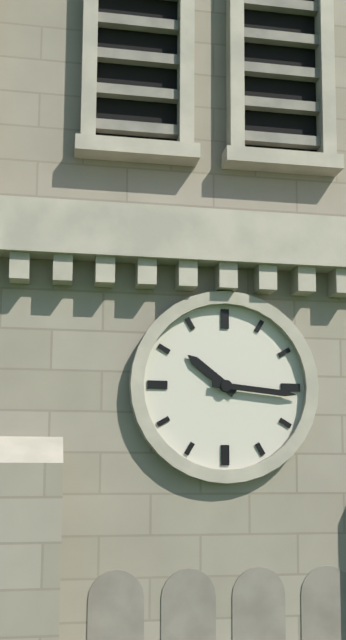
10:16
